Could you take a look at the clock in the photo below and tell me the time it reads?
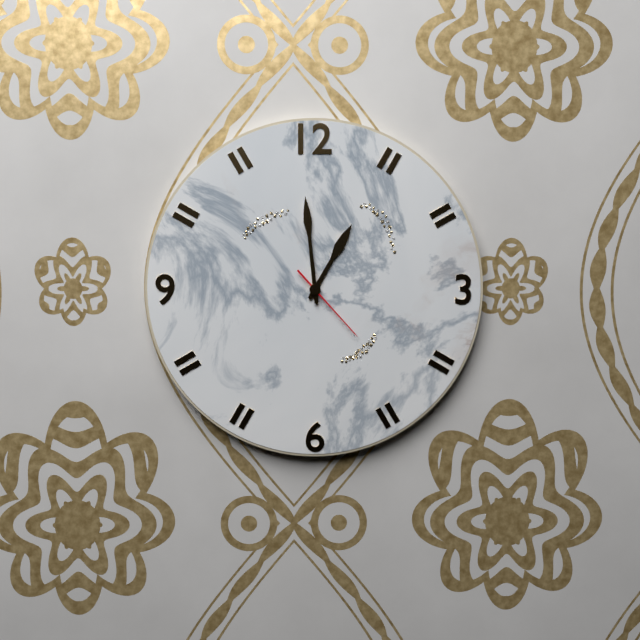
12:59:23
